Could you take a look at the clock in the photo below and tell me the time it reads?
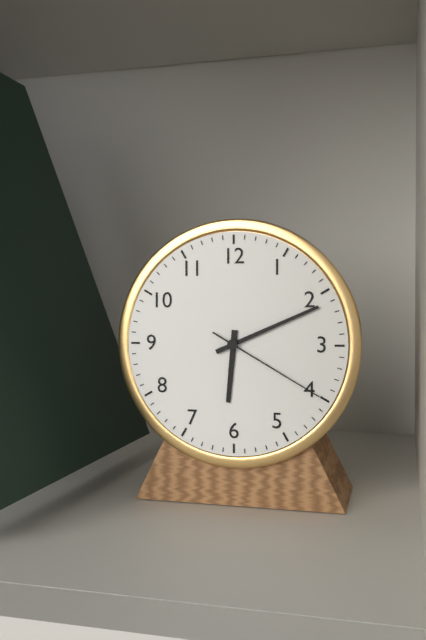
6:11:20
